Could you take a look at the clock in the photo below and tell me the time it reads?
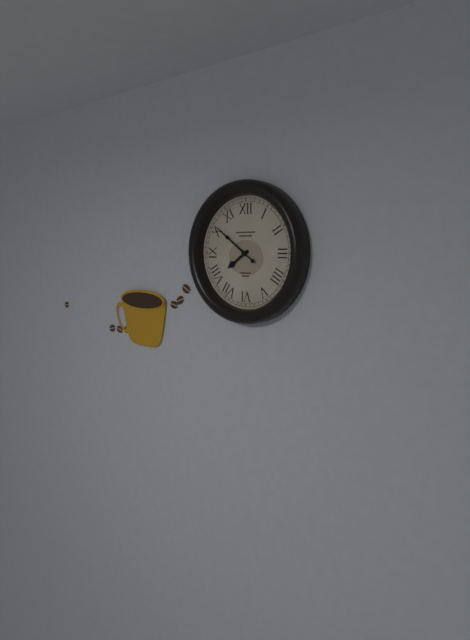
7:51
